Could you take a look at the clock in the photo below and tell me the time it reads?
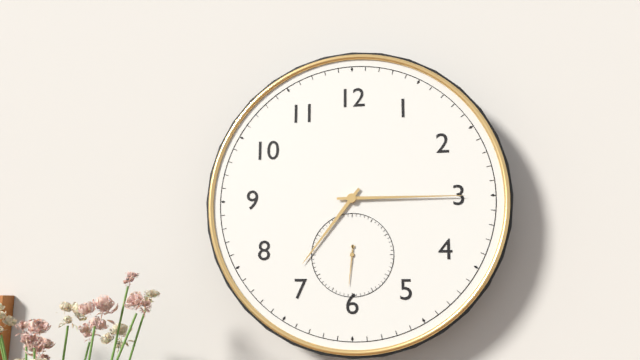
7:15
